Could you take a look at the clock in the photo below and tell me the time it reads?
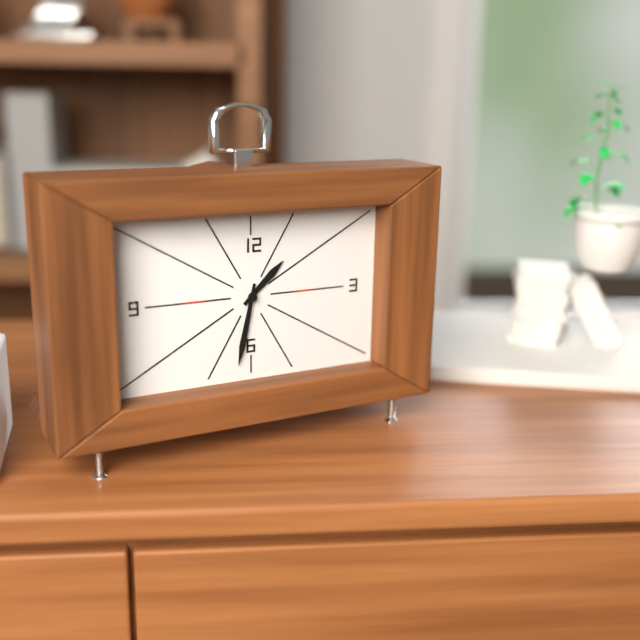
1:32
